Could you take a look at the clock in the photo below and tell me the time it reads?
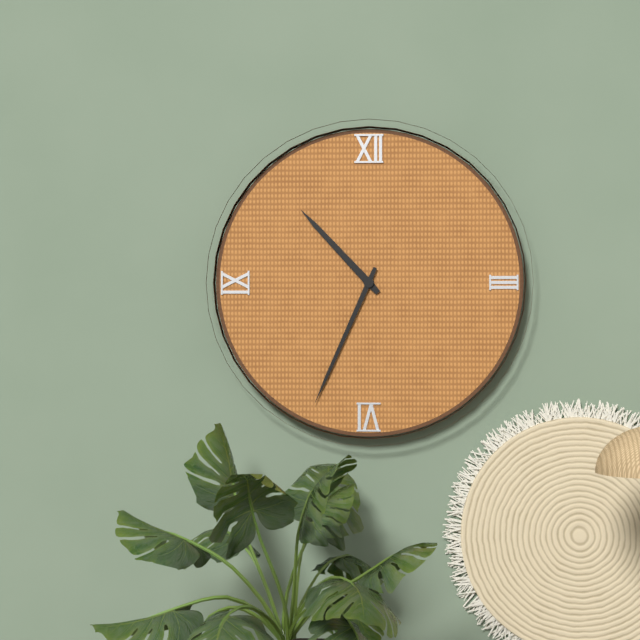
10:34
